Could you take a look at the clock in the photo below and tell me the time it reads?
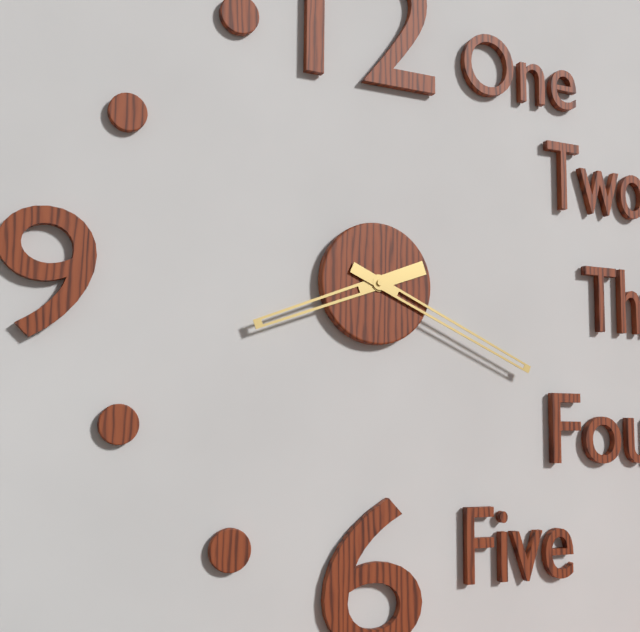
8:19
